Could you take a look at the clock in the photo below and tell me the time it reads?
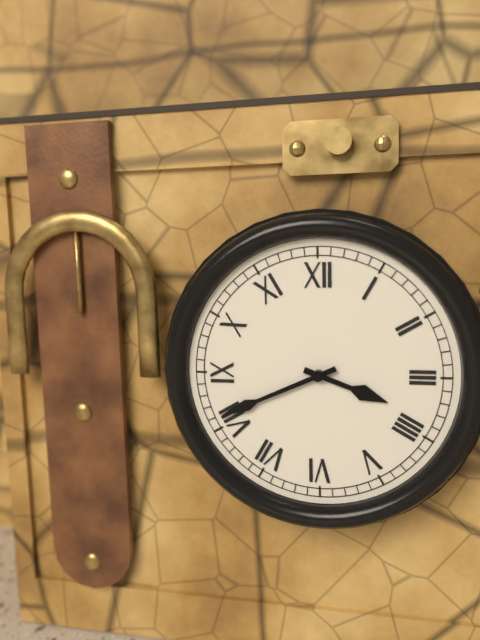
3:41
